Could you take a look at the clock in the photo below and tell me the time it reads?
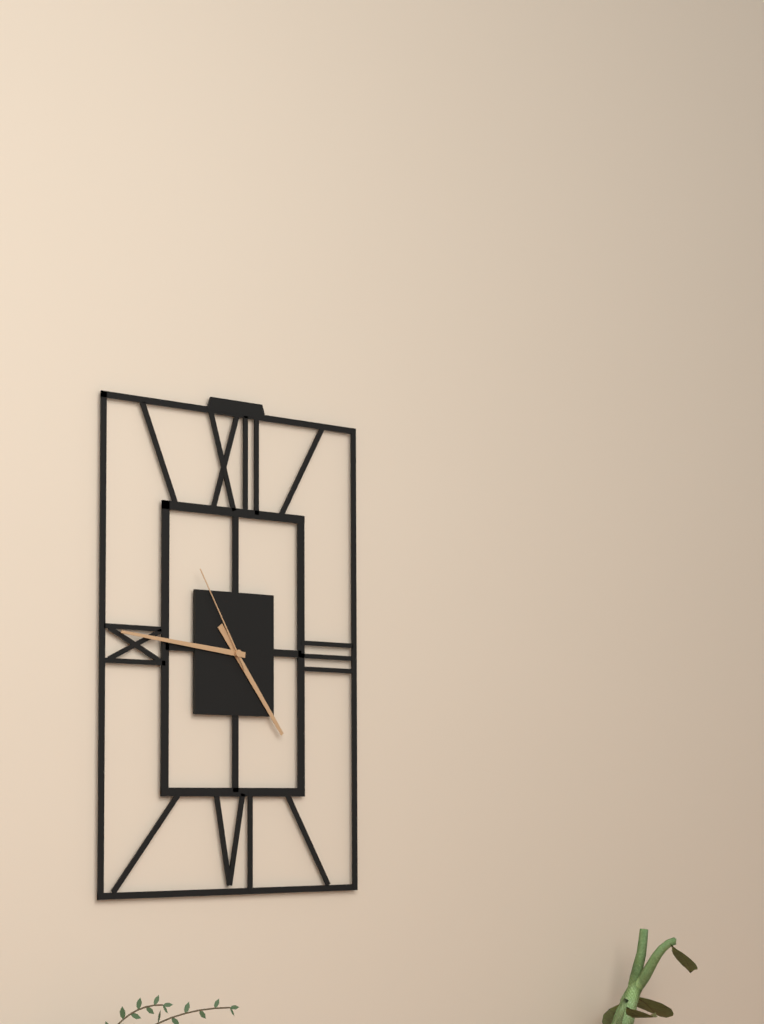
4:46:55
